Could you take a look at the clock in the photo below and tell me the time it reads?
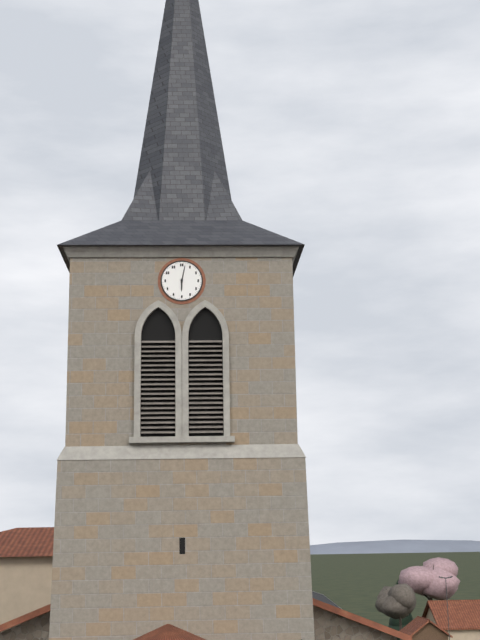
6:02
